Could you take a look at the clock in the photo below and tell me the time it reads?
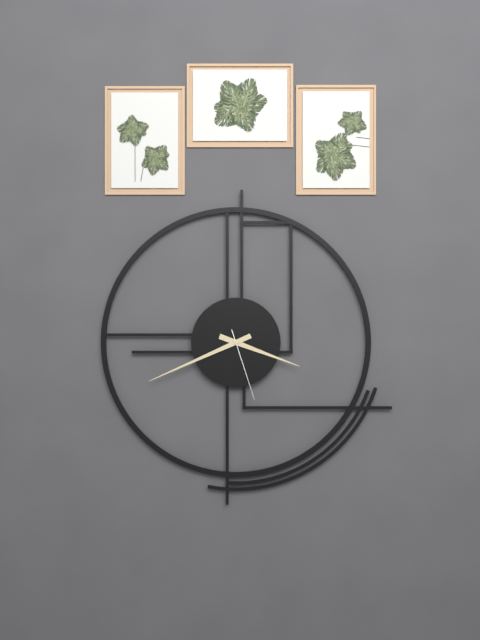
3:41:27
